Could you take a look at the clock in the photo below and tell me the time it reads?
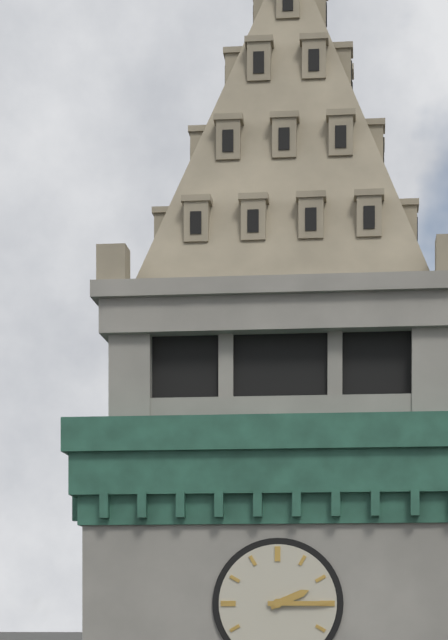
2:15
